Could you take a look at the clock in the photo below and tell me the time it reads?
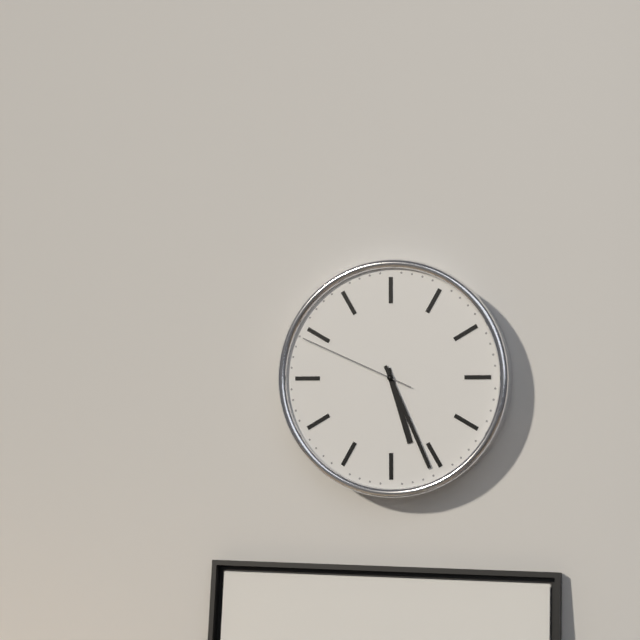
5:26:49
